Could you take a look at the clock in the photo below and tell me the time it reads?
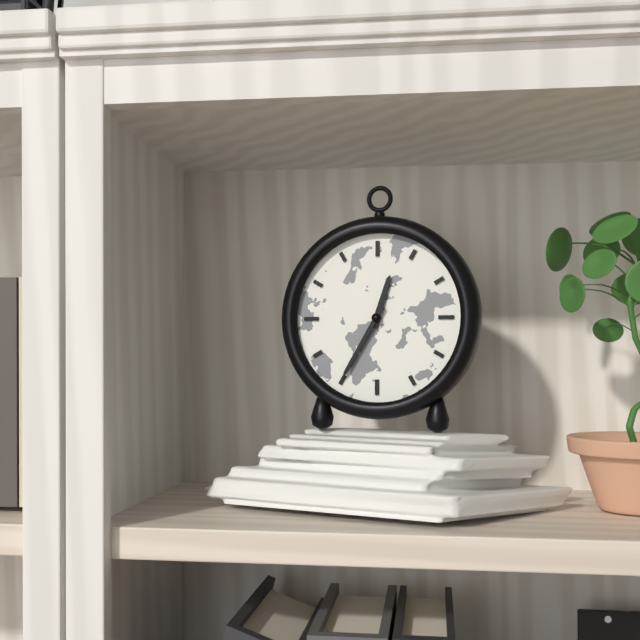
12:35
